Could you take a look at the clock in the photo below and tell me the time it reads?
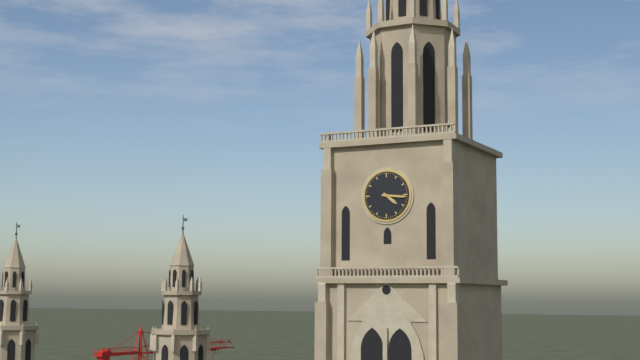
4:16
